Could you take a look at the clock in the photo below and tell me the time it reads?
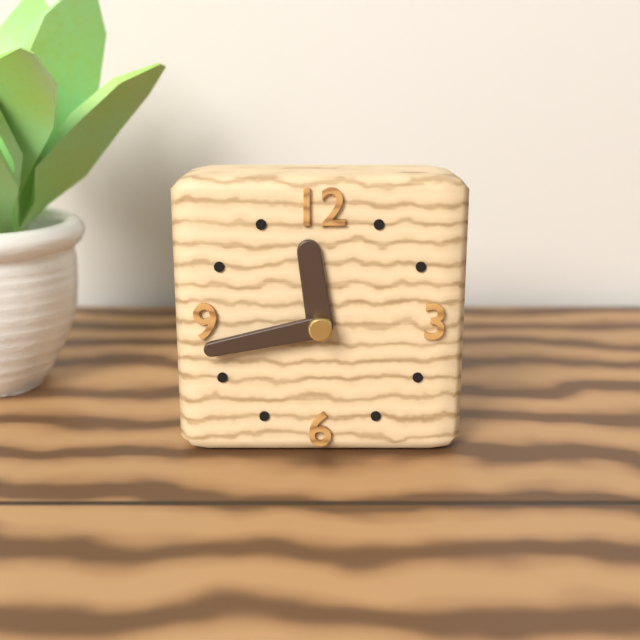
11:43
